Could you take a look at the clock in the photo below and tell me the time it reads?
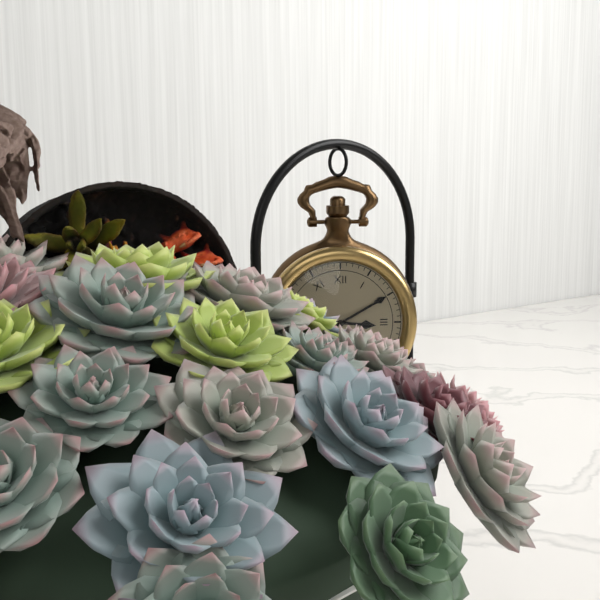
3:10
